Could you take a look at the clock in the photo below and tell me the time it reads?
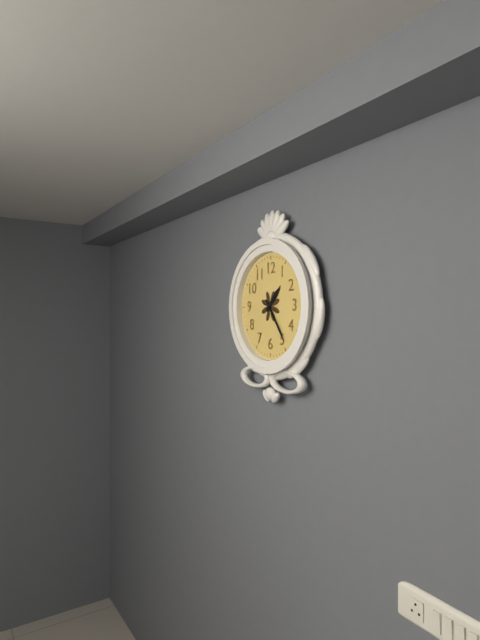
1:24
